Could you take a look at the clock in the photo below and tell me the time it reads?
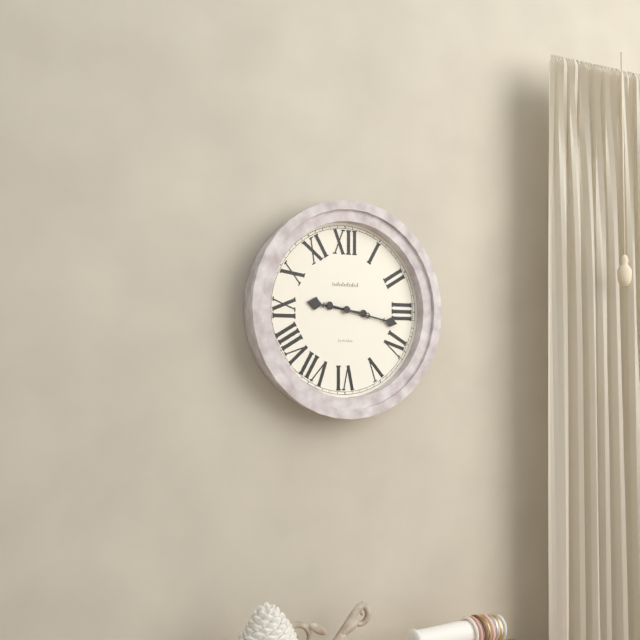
9:17
